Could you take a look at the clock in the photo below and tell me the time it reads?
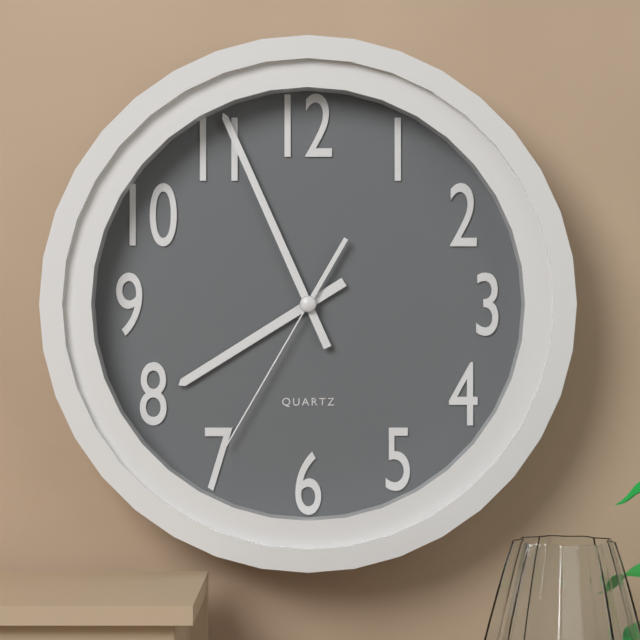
7:56:35
